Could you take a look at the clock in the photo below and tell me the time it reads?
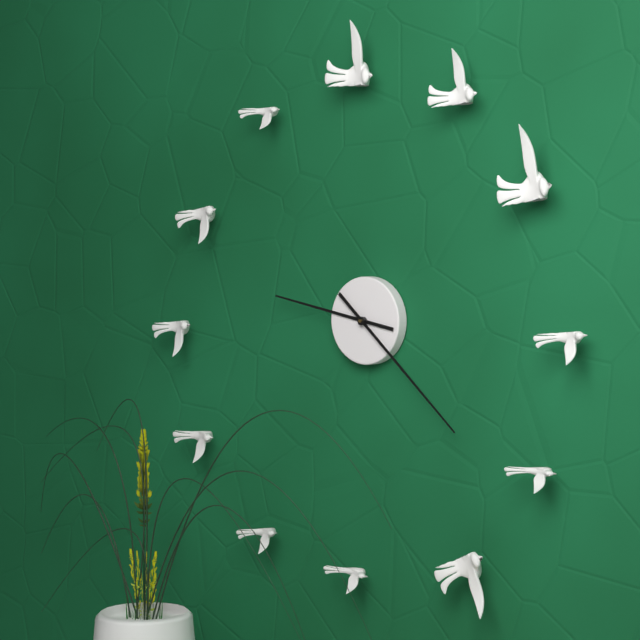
9:22
